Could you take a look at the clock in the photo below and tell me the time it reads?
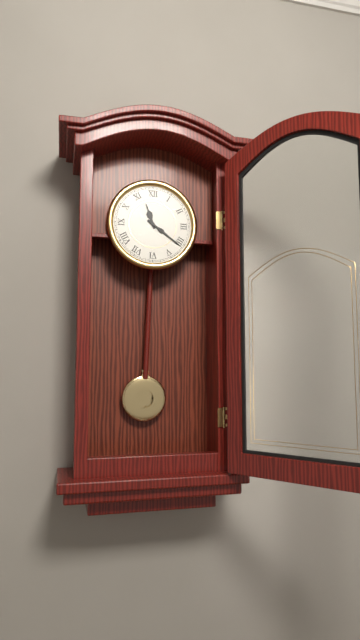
11:21
